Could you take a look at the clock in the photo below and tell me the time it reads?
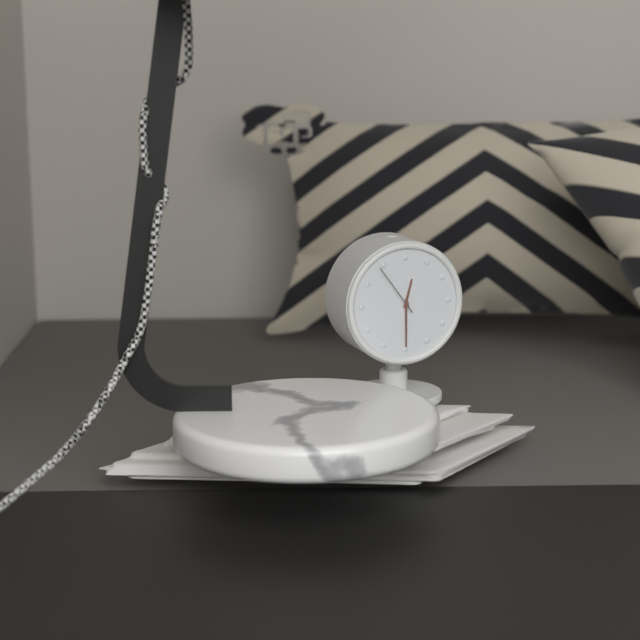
12:30:54
